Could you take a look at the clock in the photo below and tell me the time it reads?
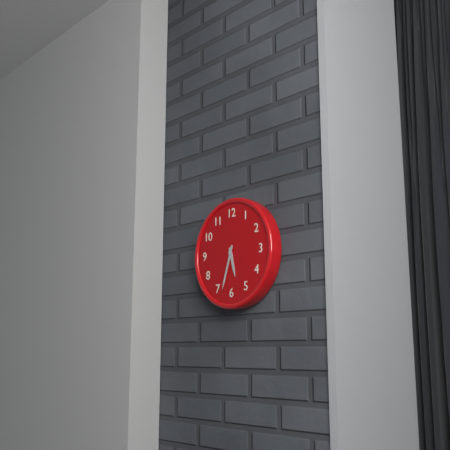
5:33
